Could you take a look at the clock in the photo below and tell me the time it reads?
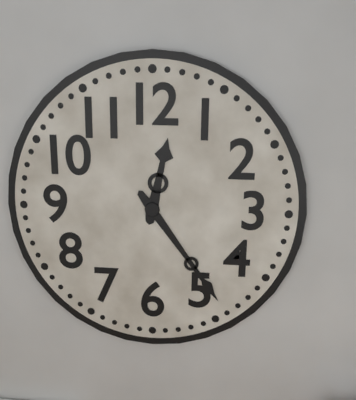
12:24
